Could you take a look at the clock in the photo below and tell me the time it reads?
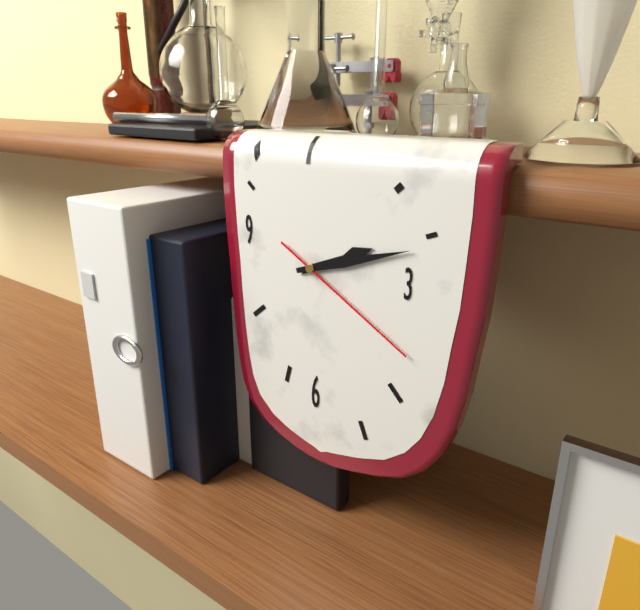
2:12:20
